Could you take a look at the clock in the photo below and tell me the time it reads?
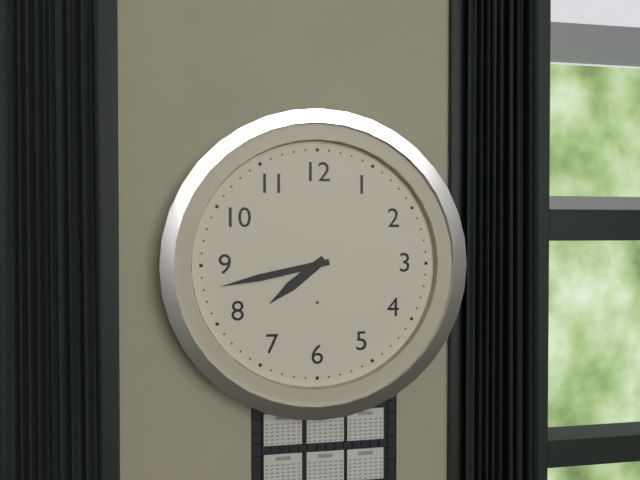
7:43
